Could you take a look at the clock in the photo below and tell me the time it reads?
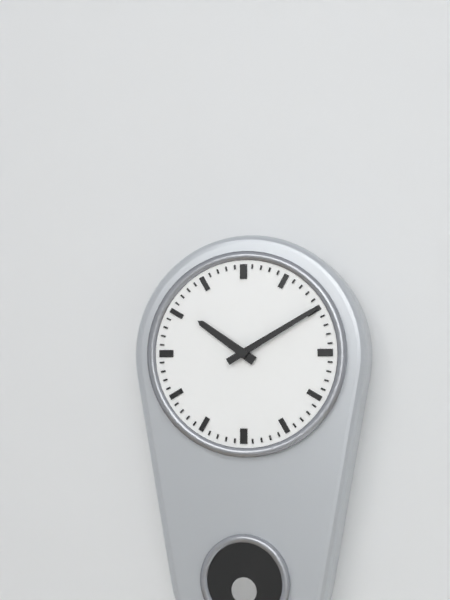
10:10
